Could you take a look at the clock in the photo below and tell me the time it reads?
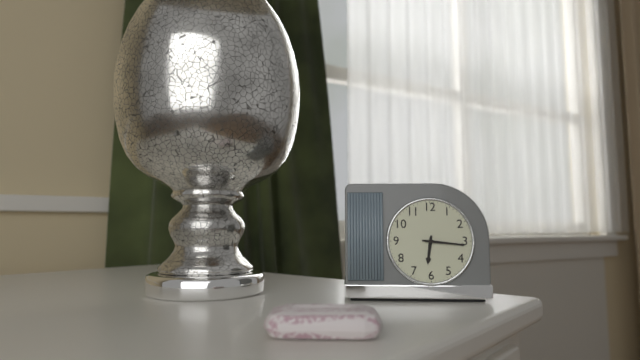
6:16
